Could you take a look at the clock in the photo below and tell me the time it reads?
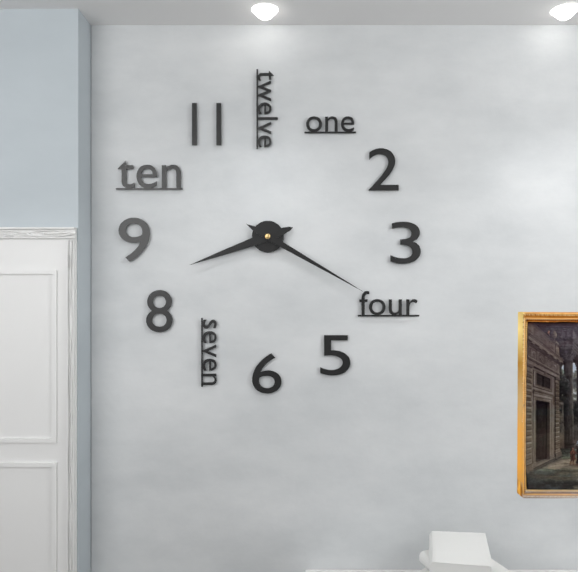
8:20
